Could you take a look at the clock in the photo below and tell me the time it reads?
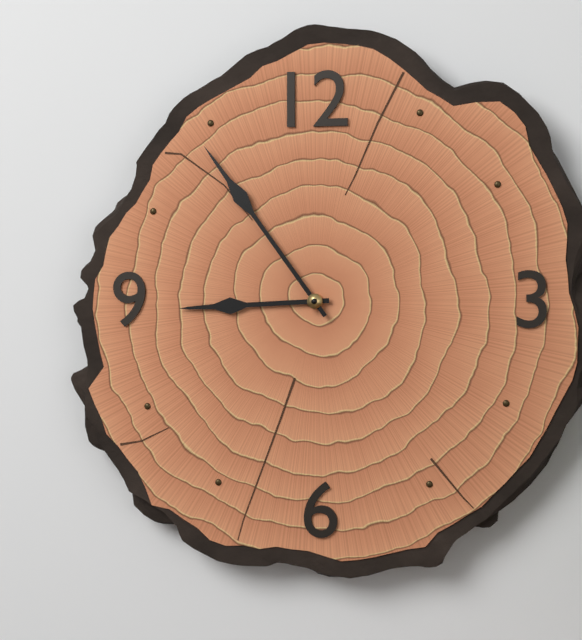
8:54
